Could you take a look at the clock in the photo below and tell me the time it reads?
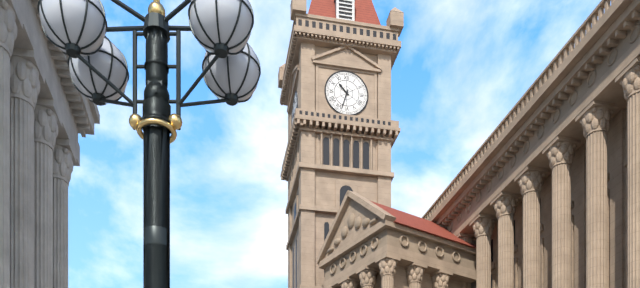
10:33
